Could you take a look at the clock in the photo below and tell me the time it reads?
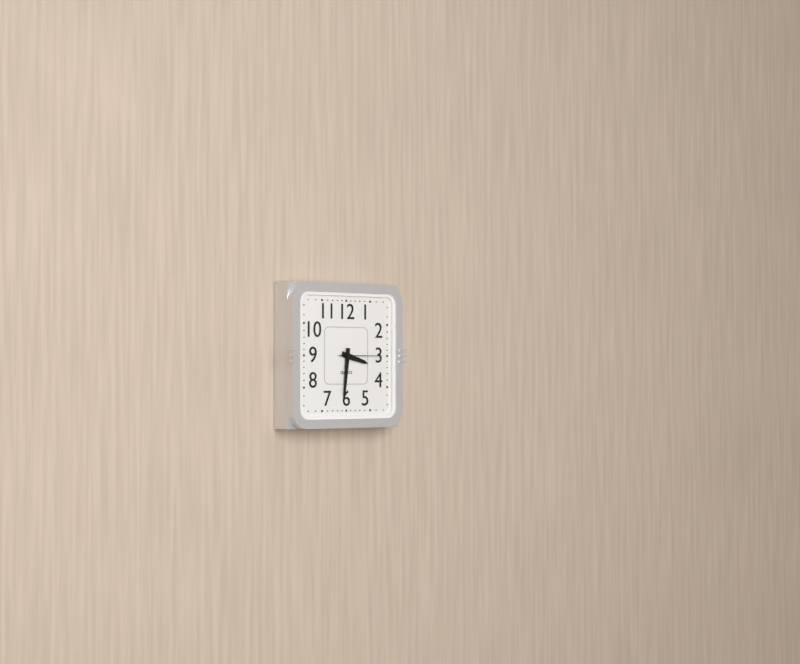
3:31:15
